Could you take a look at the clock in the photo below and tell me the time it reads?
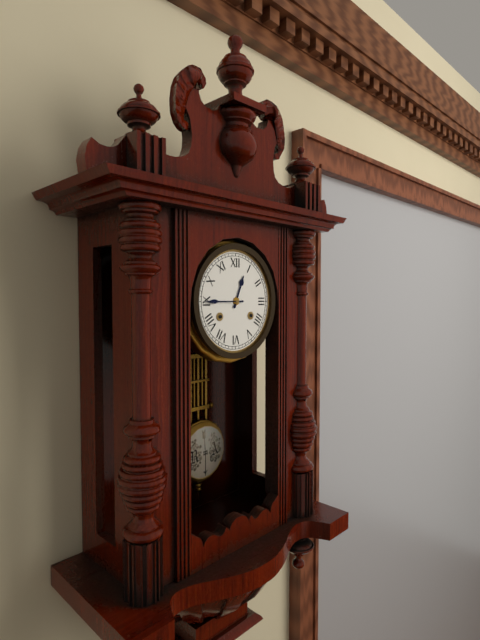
12:45
